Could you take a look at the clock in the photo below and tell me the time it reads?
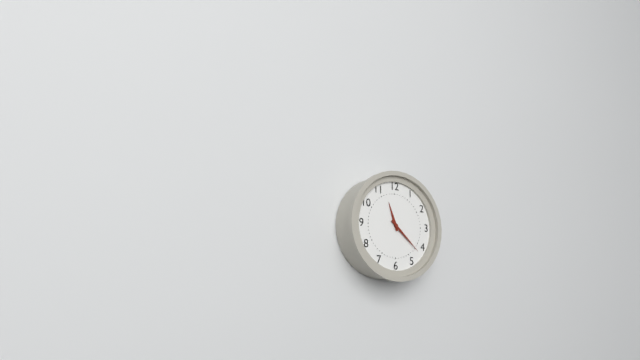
11:22
